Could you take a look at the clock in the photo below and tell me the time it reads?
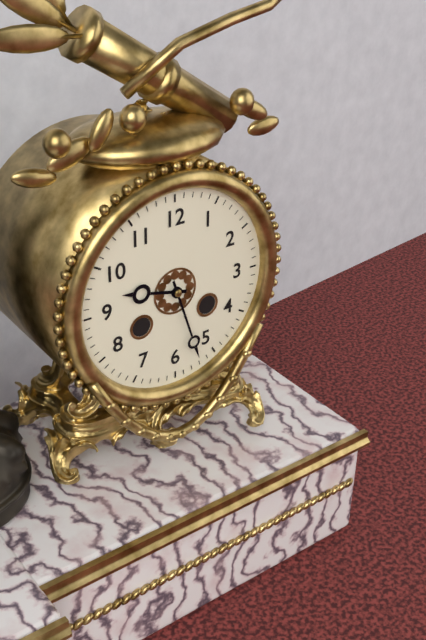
9:27
